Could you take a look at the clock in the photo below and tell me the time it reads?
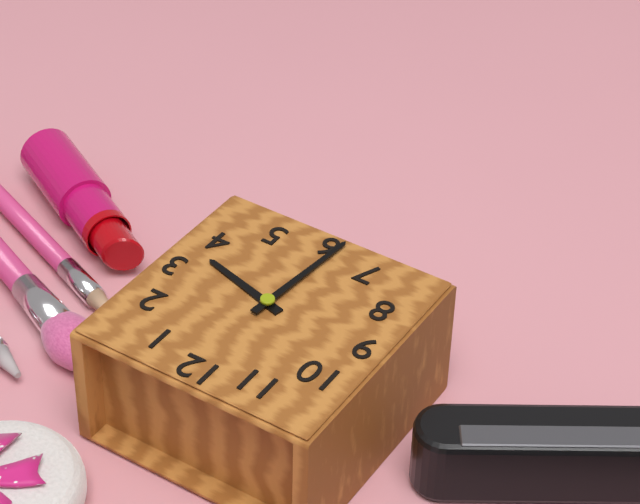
3:31
